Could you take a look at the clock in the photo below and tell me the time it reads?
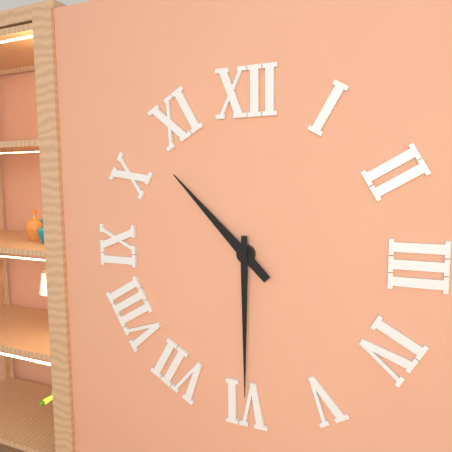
10:30
